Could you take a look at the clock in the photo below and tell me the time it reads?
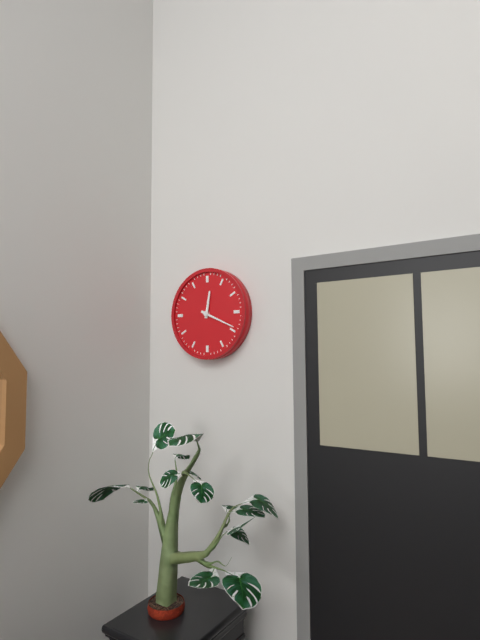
12:19
